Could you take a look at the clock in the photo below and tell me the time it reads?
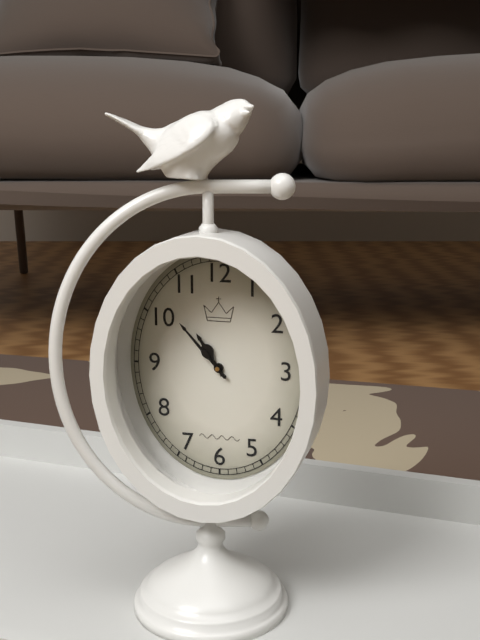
10:53
